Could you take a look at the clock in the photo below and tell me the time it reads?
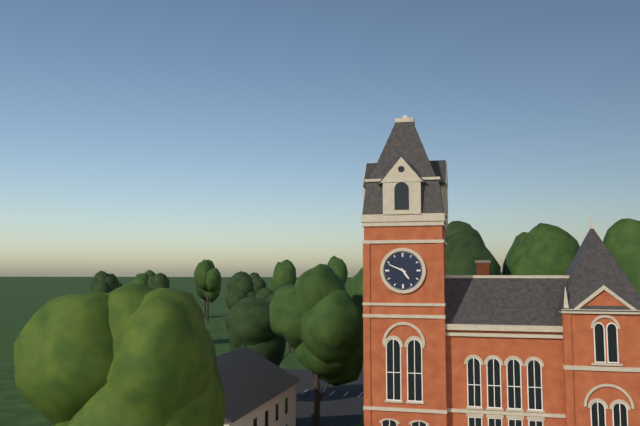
4:49
